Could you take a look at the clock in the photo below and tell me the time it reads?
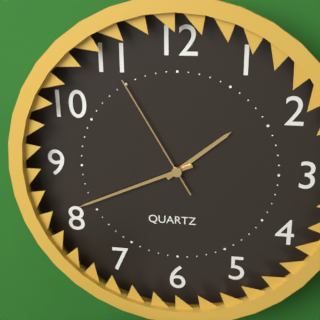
1:41:55
